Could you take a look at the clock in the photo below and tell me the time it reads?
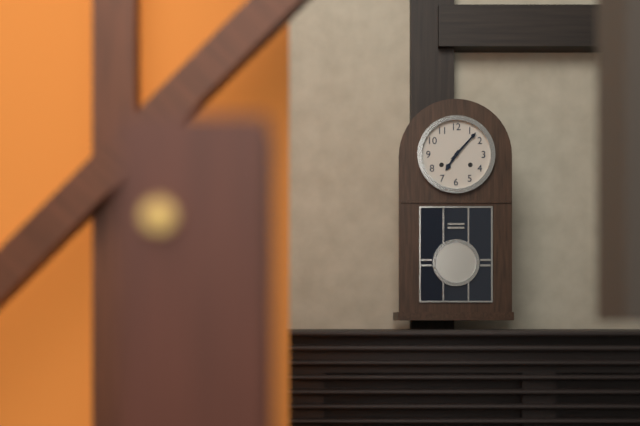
7:07
